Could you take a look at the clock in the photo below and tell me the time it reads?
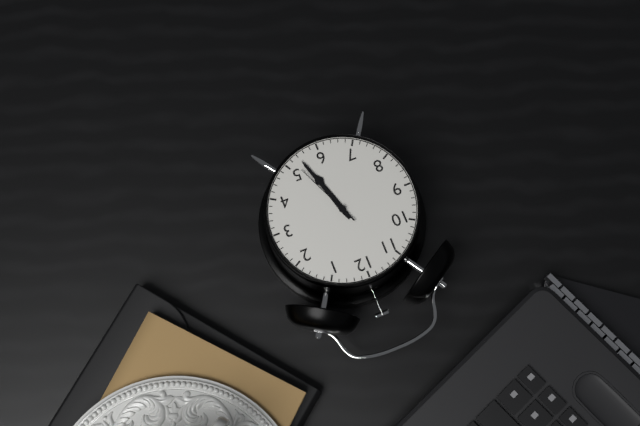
5:27:26
